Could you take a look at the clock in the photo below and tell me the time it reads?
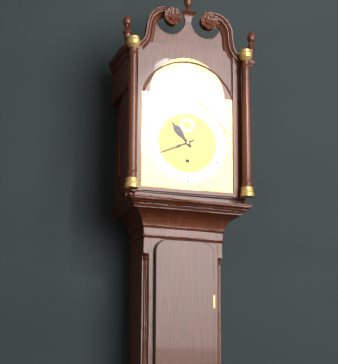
10:41
